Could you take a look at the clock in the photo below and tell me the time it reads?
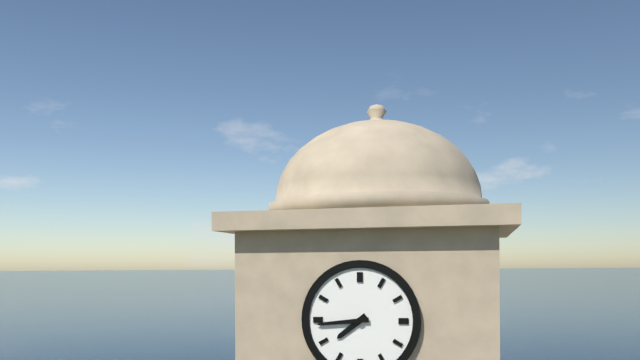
7:44
